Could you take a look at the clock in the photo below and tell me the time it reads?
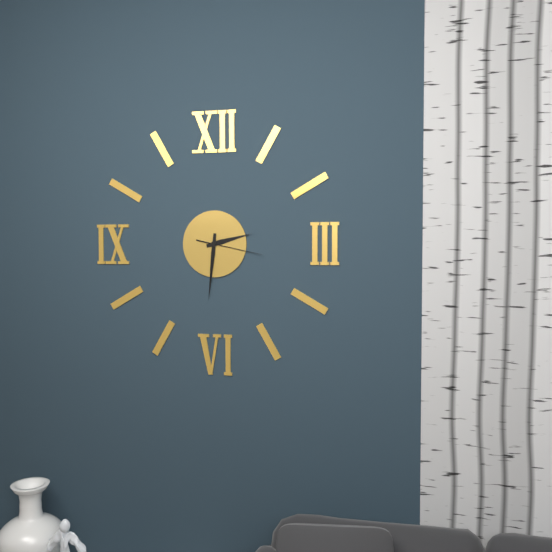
2:31:17
